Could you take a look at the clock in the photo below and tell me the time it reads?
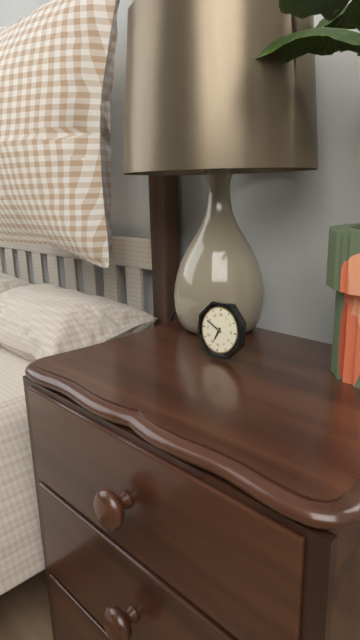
6:49
